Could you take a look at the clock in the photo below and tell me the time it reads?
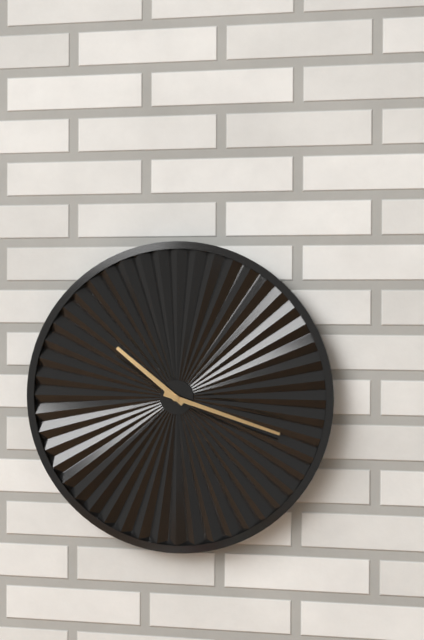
10:18
